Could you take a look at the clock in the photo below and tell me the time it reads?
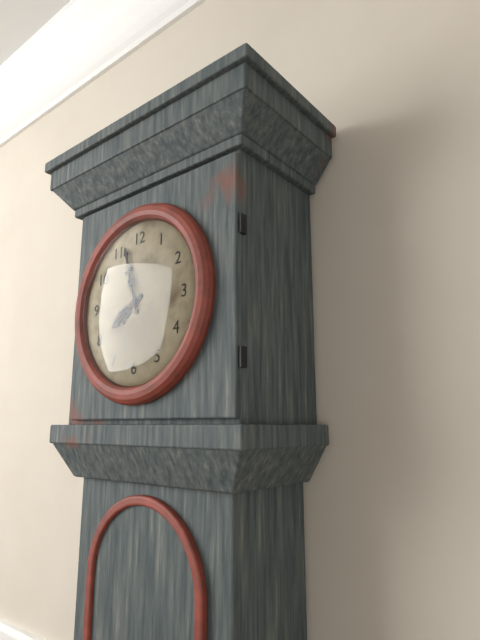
7:57
